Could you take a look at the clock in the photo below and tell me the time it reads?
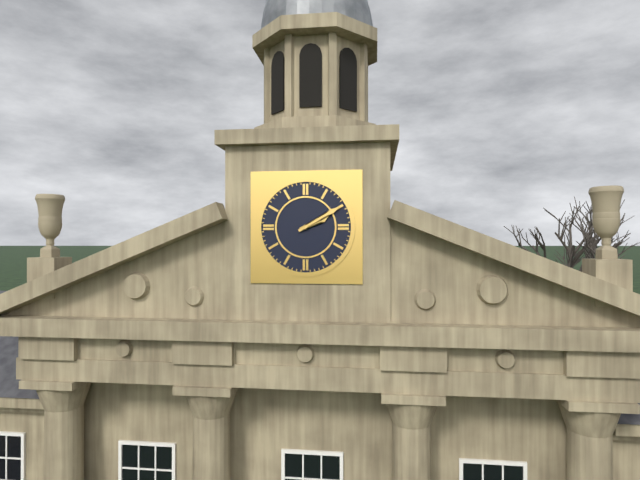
2:10
